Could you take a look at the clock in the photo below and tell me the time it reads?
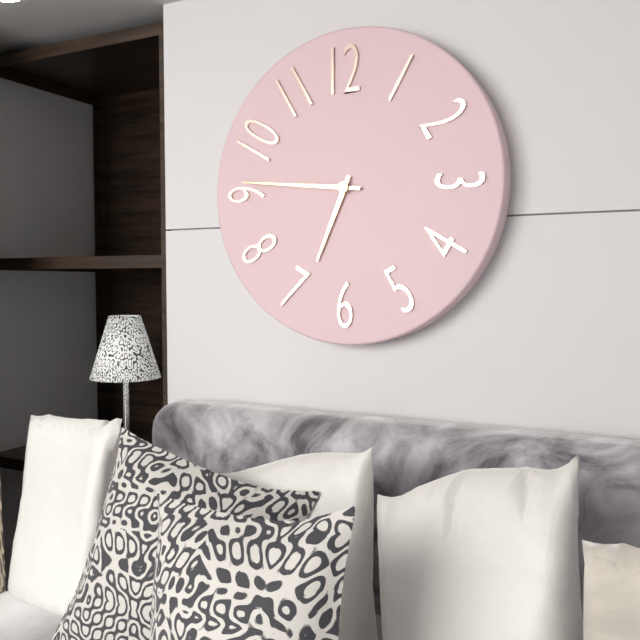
6:46
